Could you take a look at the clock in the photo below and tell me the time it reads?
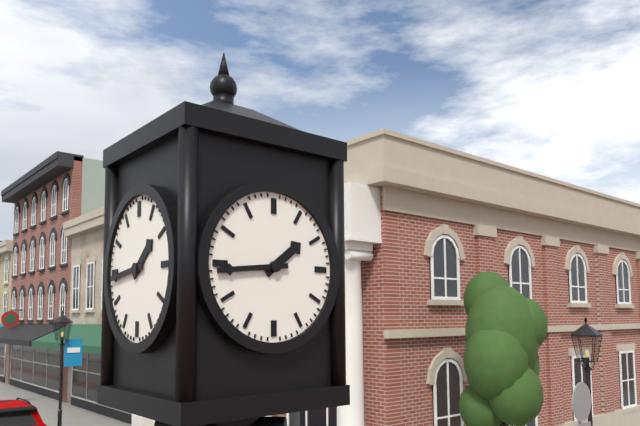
1:44
